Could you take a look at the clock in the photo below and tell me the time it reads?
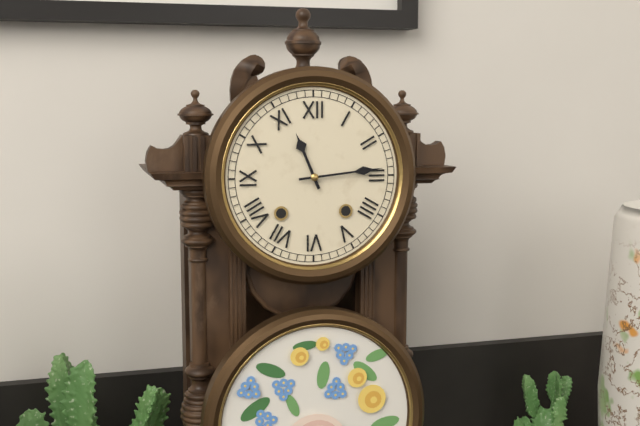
11:14
